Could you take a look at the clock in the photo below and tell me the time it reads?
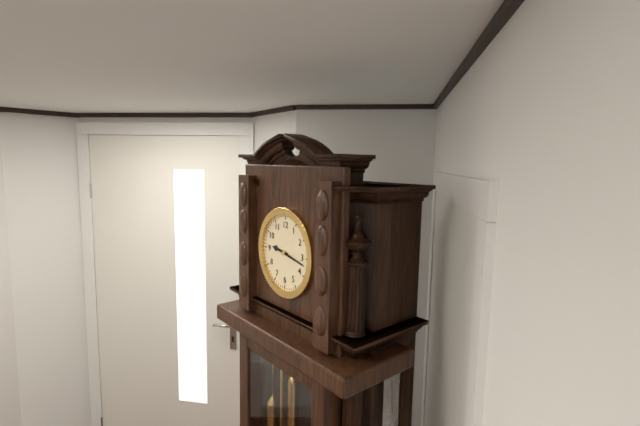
9:17
